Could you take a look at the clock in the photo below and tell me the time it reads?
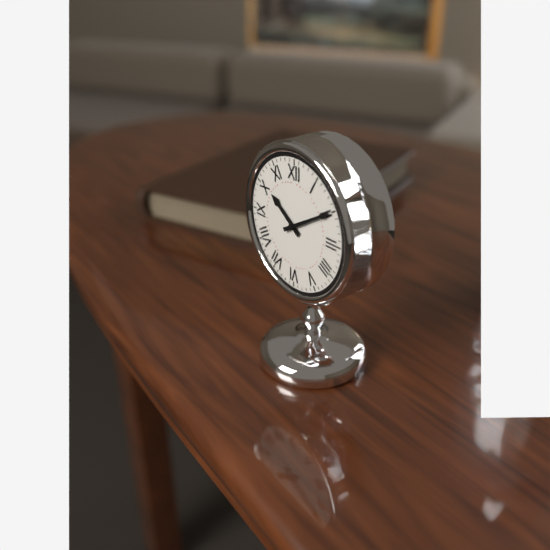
10:10
